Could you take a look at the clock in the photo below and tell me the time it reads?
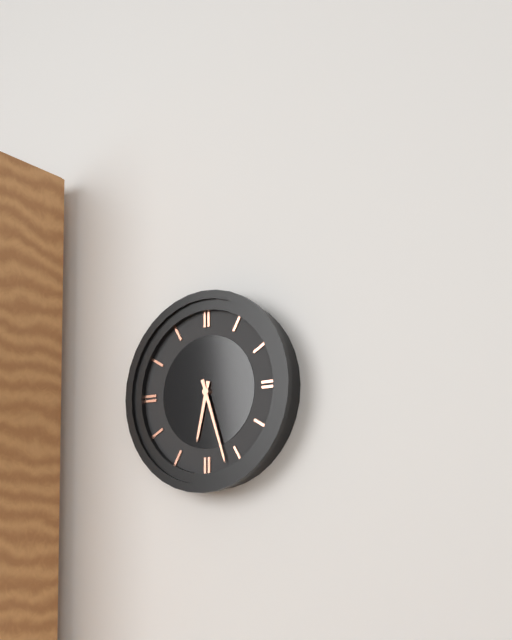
6:27
